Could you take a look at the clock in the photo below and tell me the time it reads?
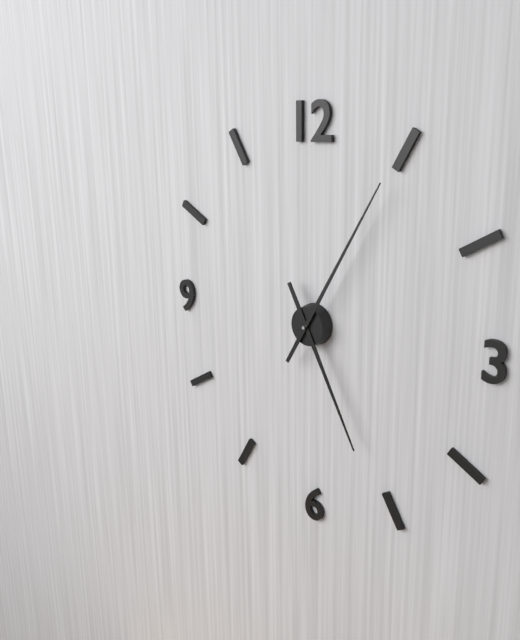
5:05
